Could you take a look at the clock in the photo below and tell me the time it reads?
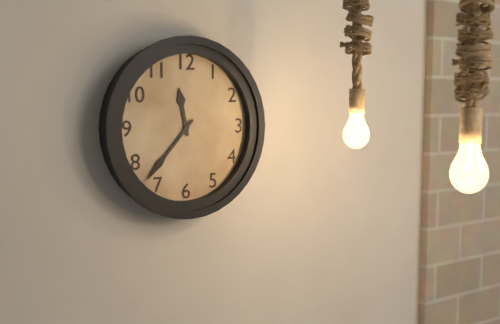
11:37
